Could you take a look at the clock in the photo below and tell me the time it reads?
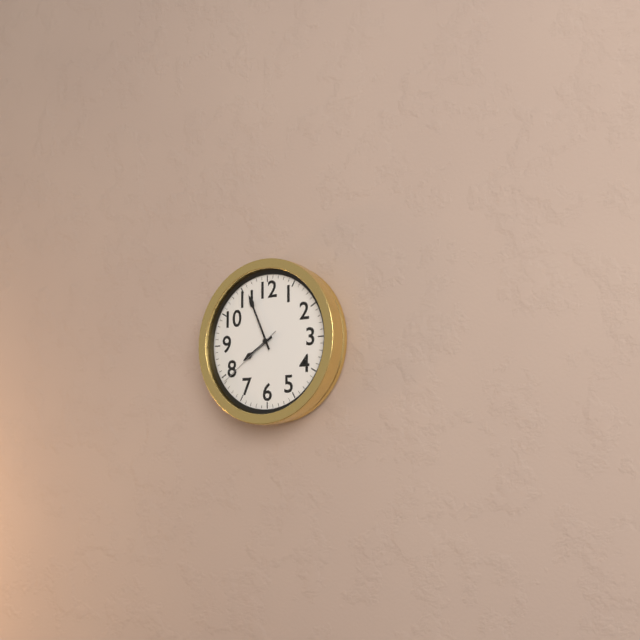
7:56:39
